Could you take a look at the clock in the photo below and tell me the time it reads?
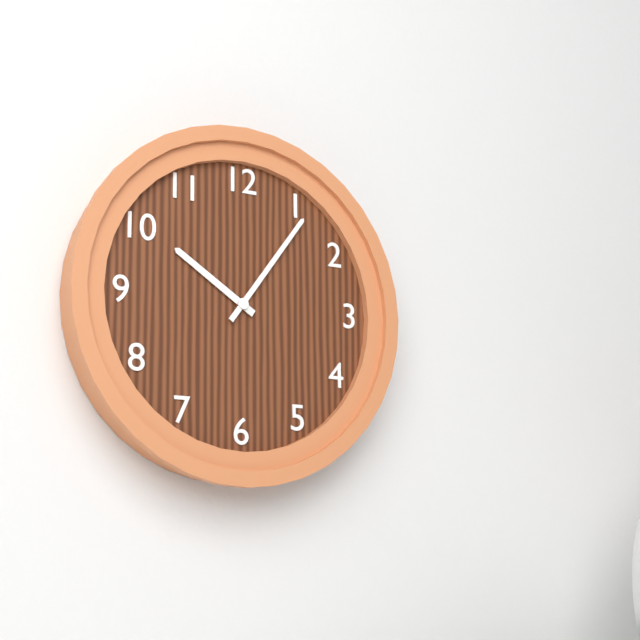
10:06
